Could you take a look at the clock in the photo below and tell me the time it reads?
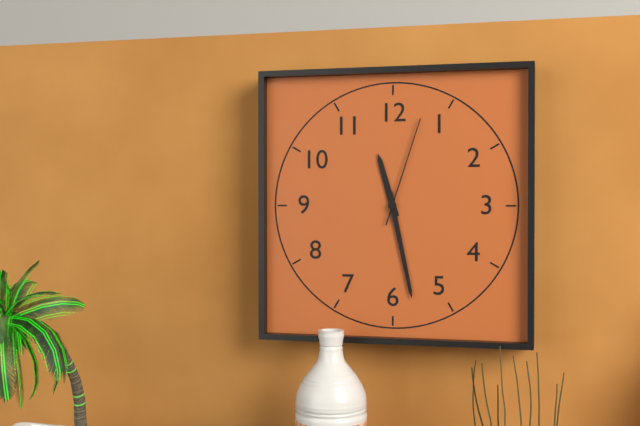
11:28:03
